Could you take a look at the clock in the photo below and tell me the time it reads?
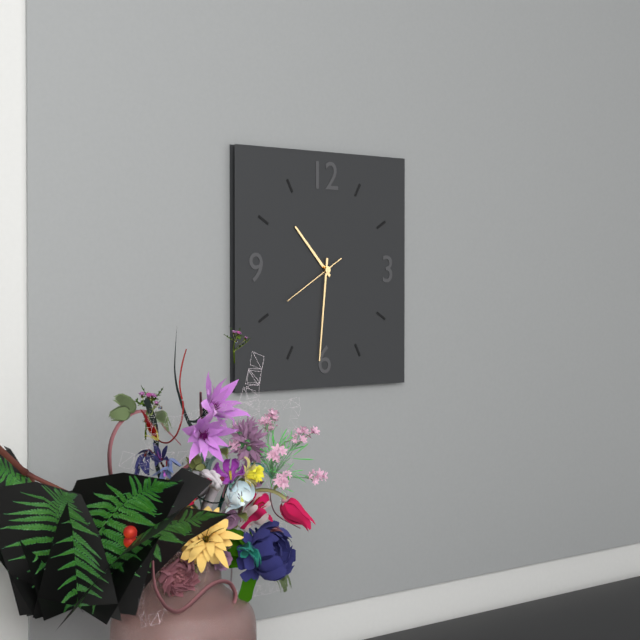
10:31:40
